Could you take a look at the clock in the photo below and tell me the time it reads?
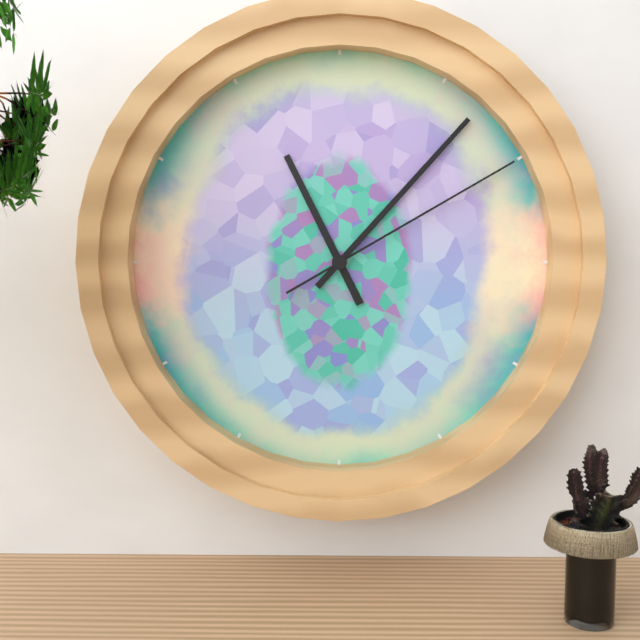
11:07:10
